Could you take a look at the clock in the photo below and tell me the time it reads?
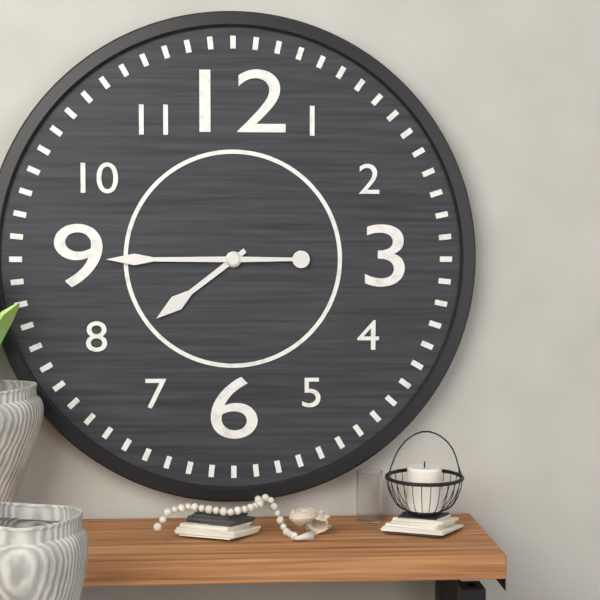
7:45
